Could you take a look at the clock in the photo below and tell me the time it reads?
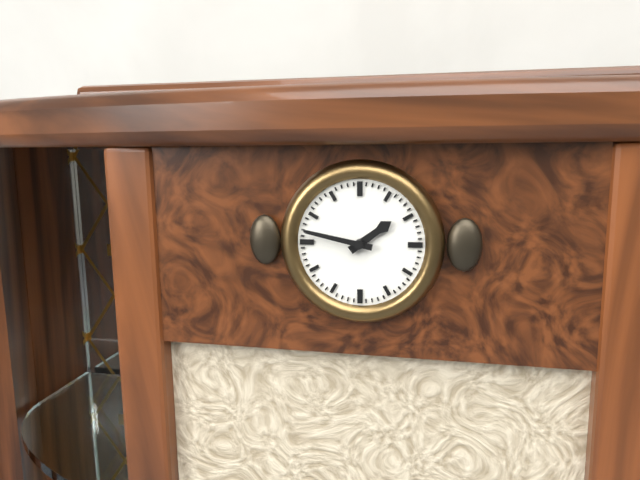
1:47
